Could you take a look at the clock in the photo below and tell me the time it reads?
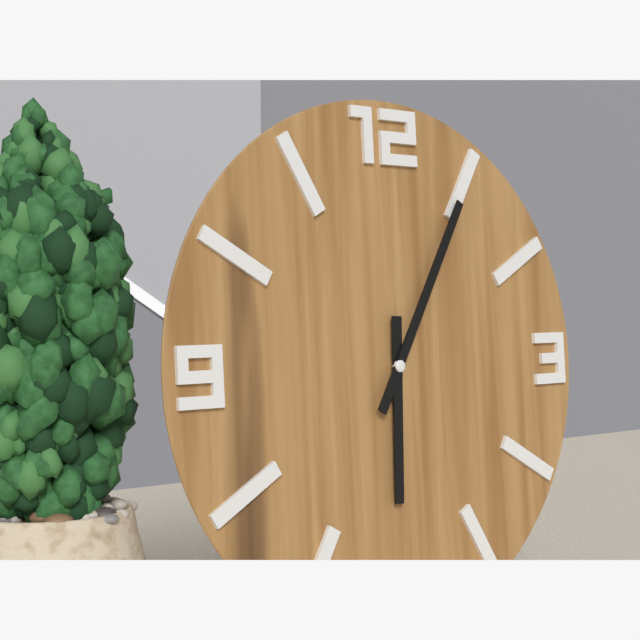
6:05
